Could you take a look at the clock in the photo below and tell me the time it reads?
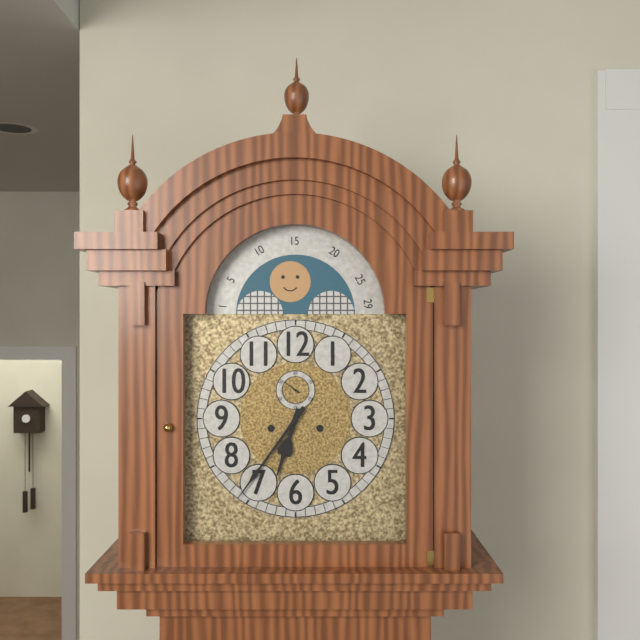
6:36
